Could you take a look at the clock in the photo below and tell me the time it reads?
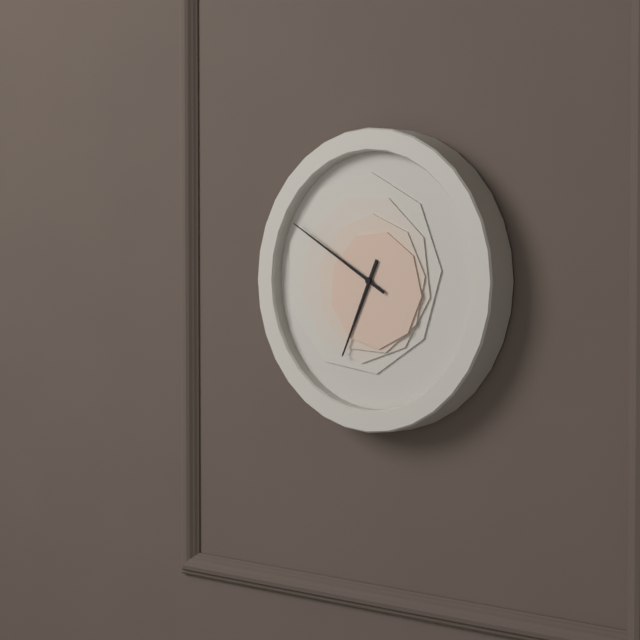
6:50
